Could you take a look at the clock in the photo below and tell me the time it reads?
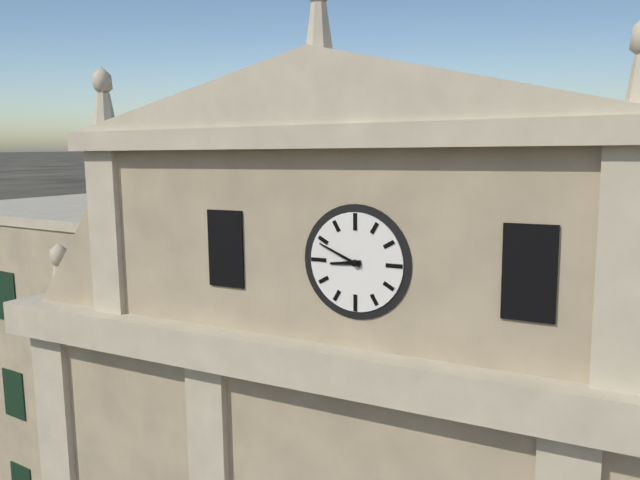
8:49
